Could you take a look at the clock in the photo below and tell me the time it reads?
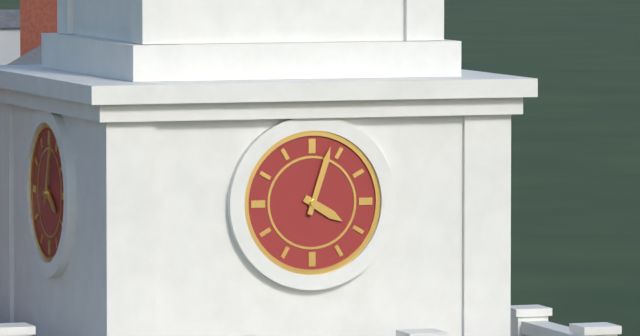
4:03
